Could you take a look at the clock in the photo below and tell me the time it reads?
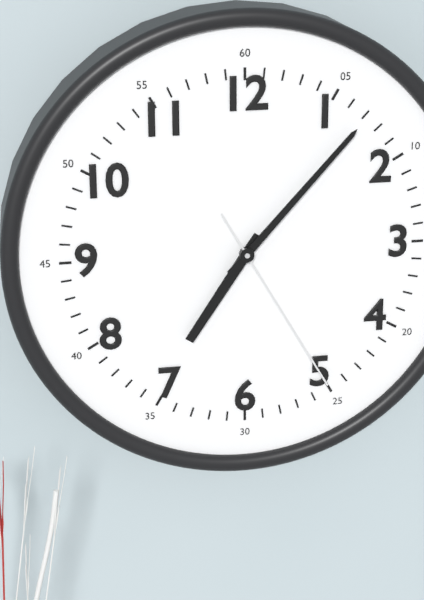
7:07:25
